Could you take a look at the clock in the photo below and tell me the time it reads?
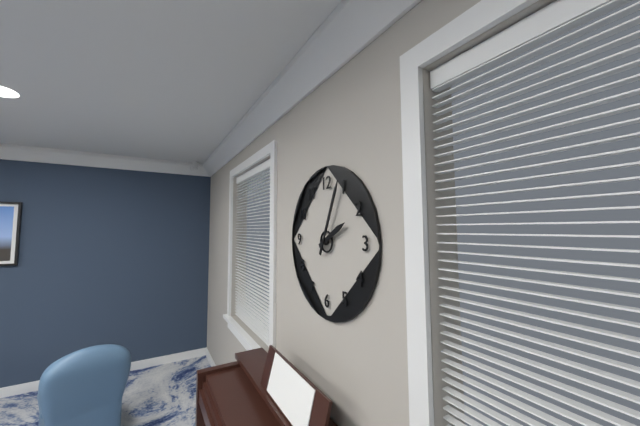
2:04
